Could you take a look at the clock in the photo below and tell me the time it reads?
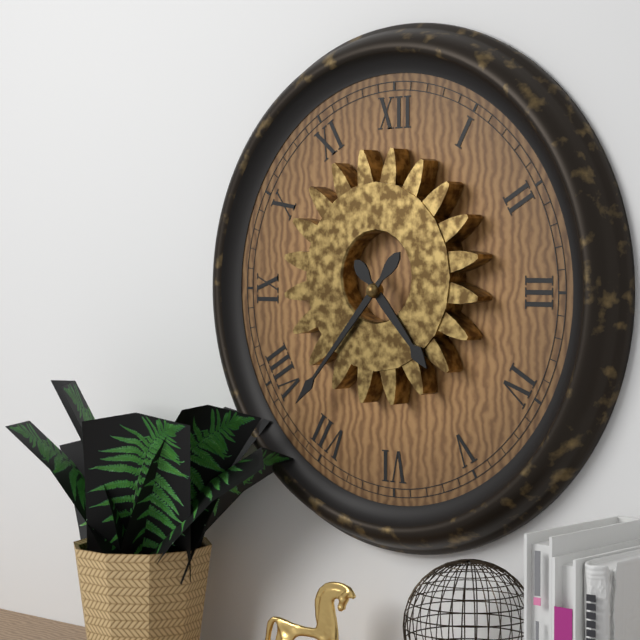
4:37
